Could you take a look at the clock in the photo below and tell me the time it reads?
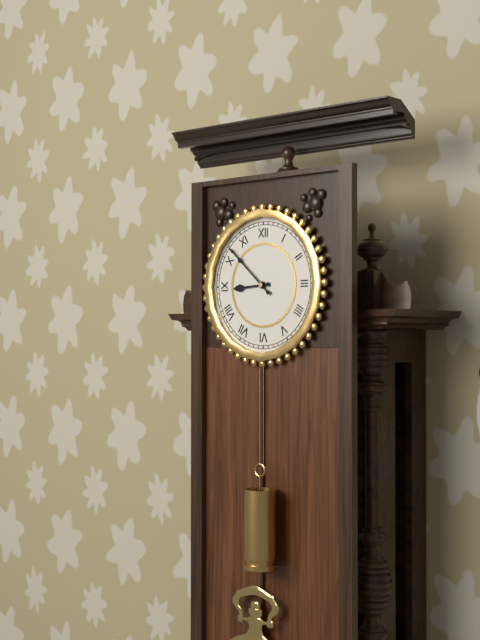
8:52
